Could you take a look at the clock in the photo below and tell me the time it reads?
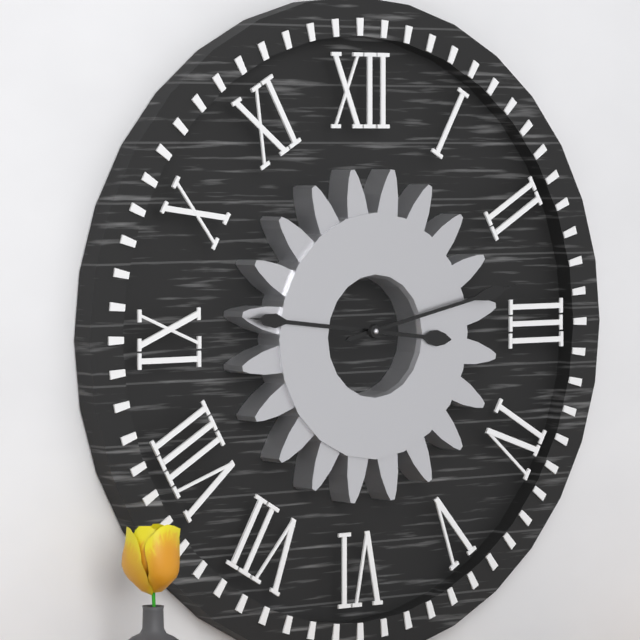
9:13
